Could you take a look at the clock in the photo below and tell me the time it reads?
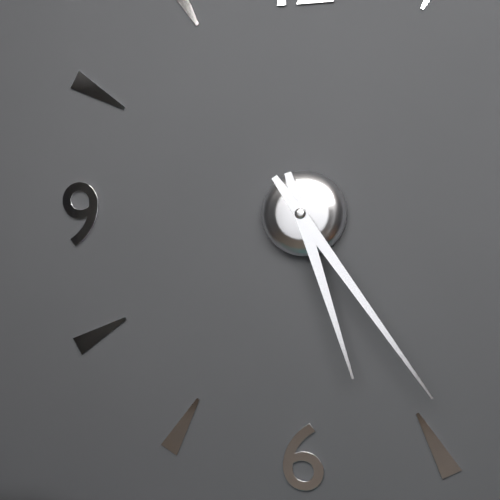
5:24
